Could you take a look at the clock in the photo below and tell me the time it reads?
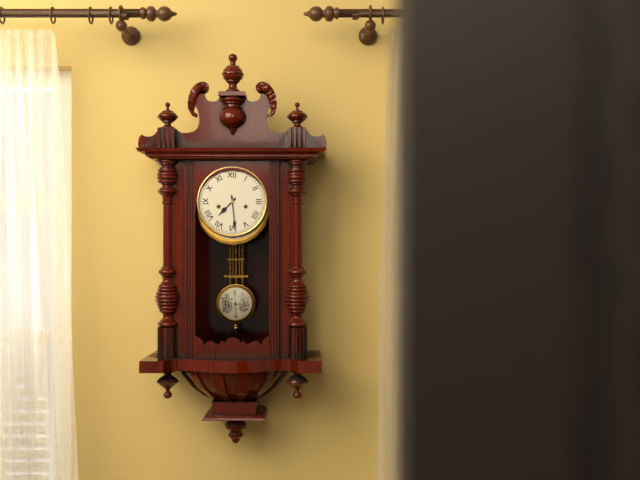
7:29
